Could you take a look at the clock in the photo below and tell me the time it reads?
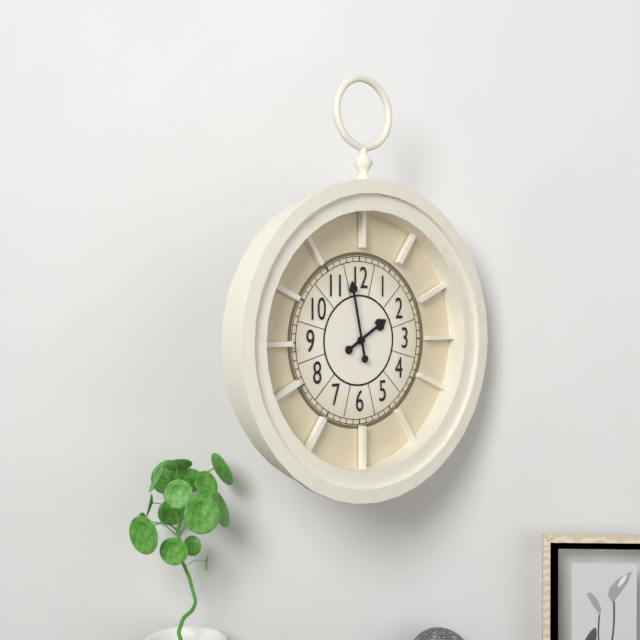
1:58
